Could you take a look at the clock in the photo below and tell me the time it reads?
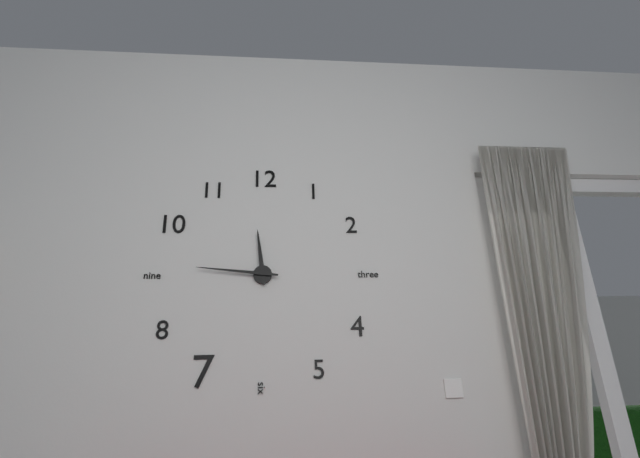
11:46
